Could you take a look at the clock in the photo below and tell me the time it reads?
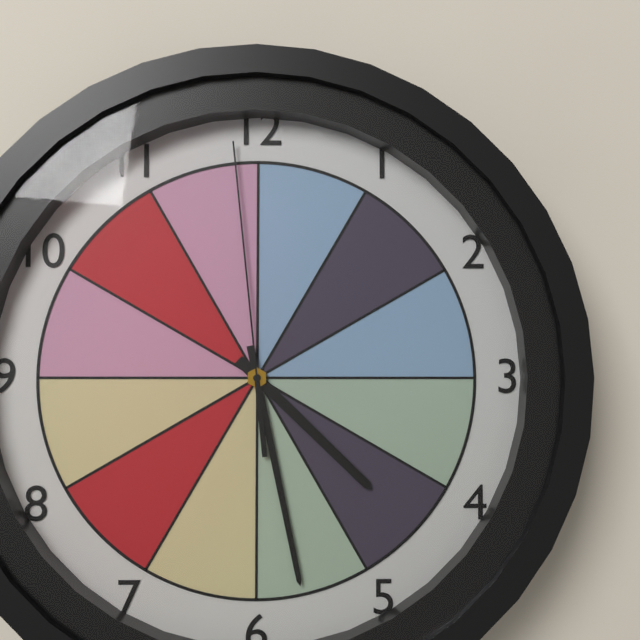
4:28:59
